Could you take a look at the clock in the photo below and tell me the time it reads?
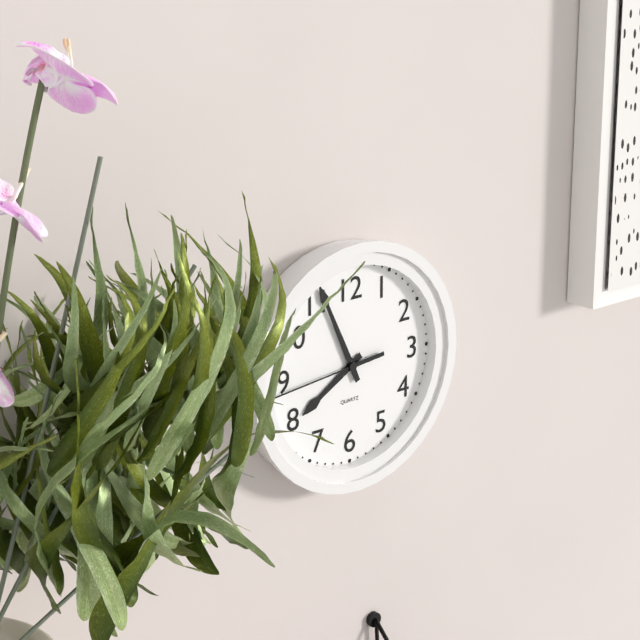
7:56:44
